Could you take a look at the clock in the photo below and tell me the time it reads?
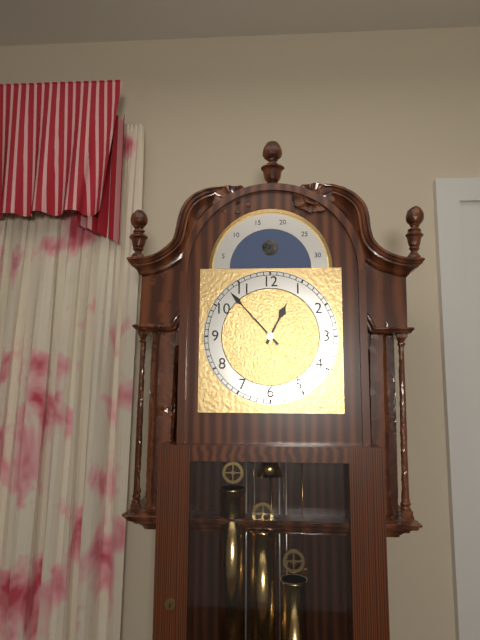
12:53
